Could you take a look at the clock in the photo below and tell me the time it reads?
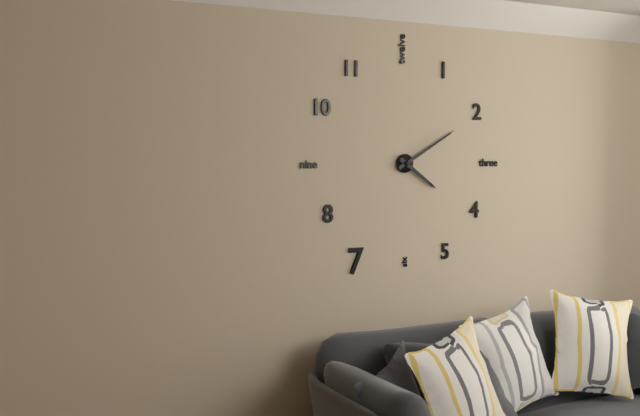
4:10
